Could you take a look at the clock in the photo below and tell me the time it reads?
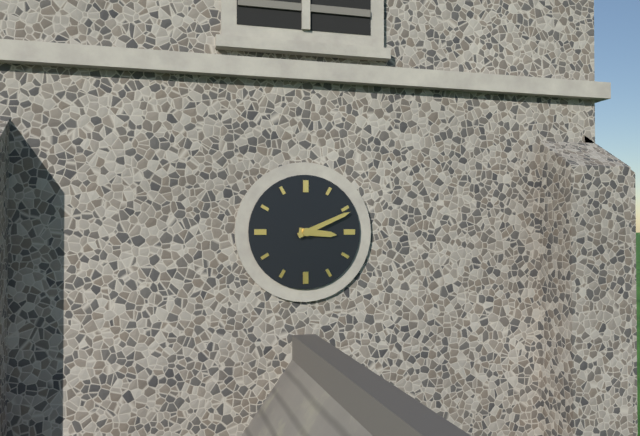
3:11
